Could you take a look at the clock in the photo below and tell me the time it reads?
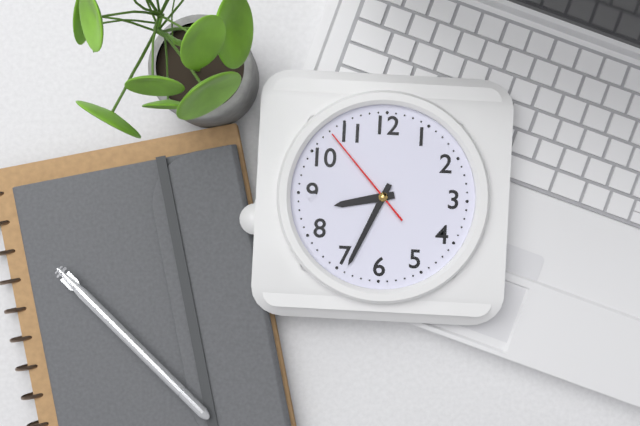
8:34:53
